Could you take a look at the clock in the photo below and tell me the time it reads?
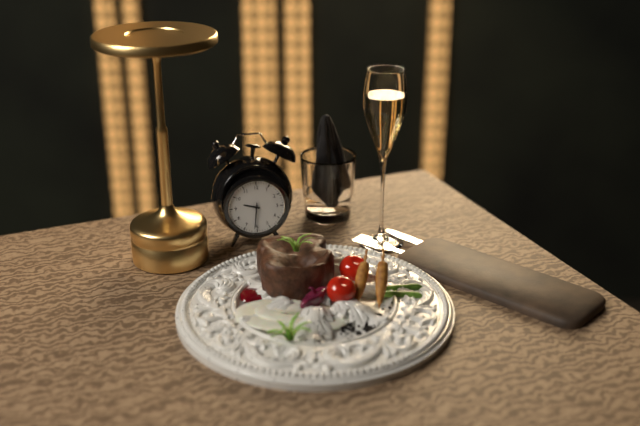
9:31
